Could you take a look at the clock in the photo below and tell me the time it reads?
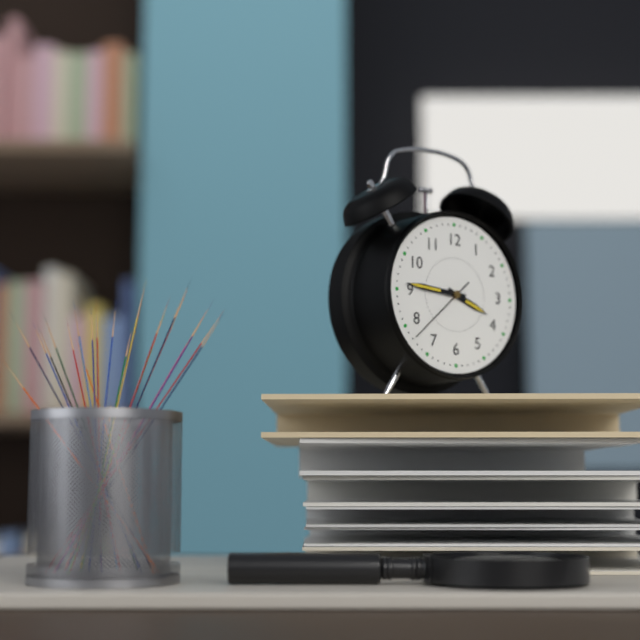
3:46:38
